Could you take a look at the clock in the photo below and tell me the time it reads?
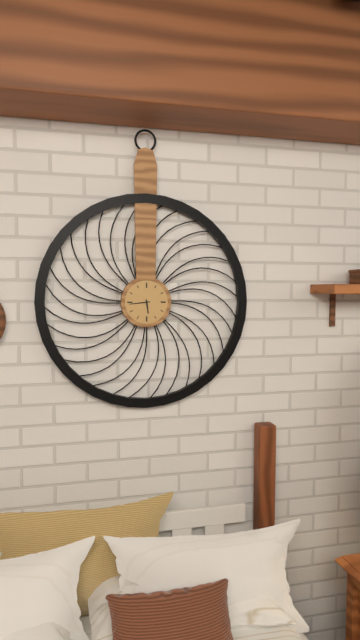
5:44
